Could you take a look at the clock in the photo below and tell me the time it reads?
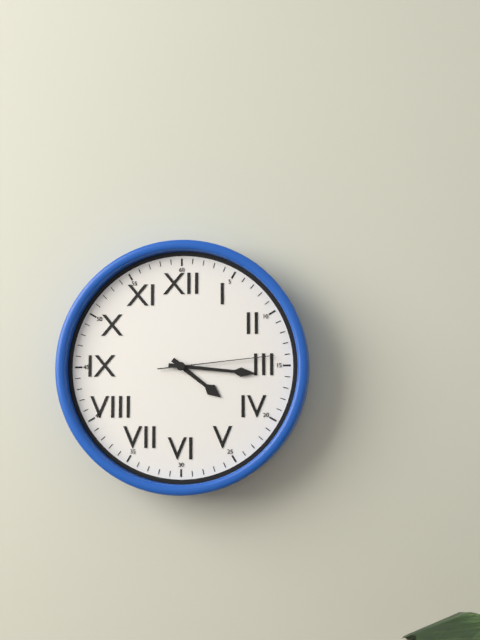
4:16:14
